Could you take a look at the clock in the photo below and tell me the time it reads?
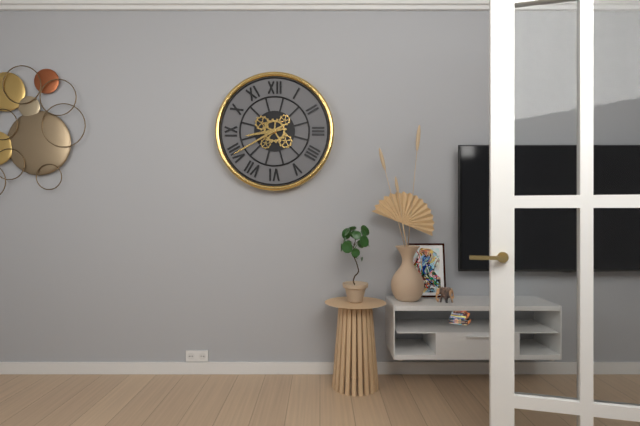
8:40
